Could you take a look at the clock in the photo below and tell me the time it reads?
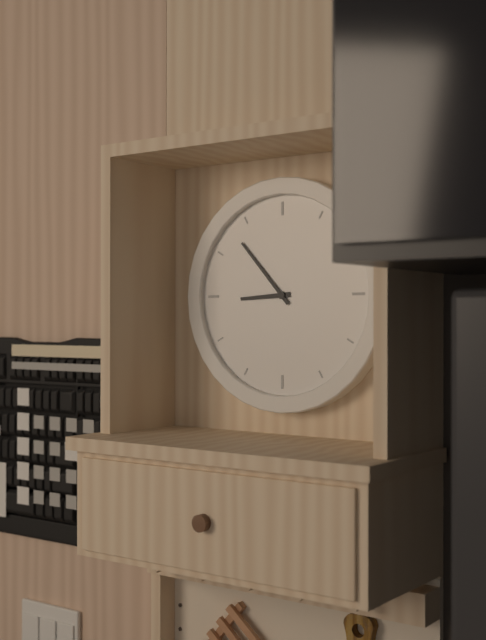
8:53
